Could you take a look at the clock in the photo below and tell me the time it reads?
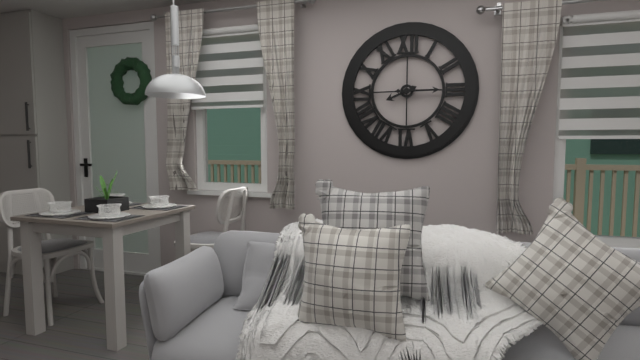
8:15
